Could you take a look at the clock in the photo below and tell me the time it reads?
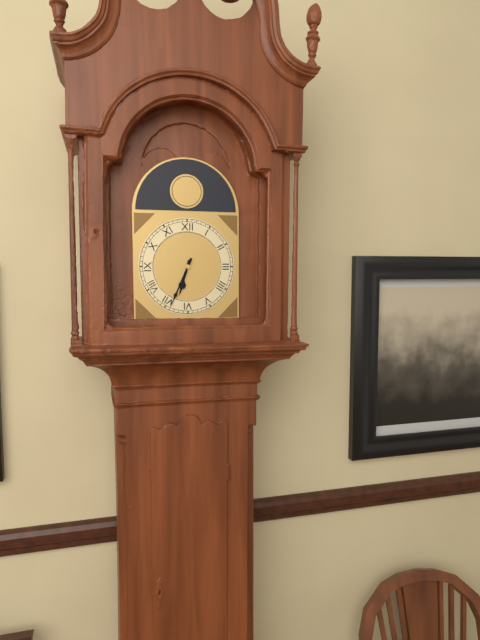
6:34
